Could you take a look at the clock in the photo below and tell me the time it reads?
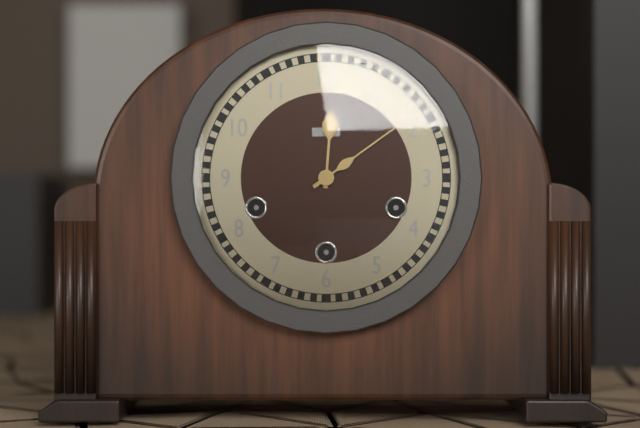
12:09
